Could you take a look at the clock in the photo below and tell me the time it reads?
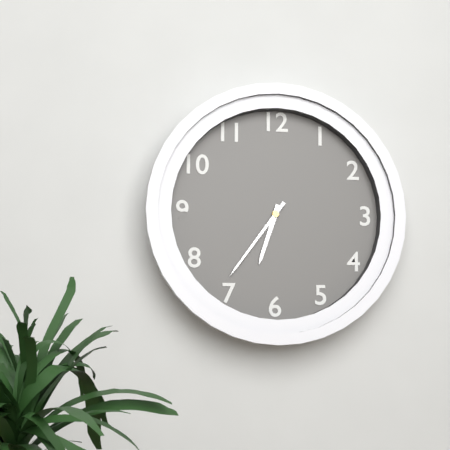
6:36
